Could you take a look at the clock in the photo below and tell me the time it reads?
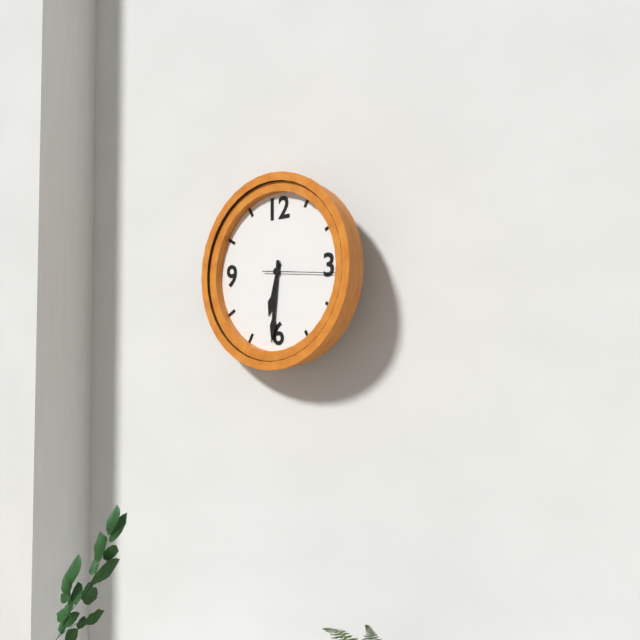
6:31:16
